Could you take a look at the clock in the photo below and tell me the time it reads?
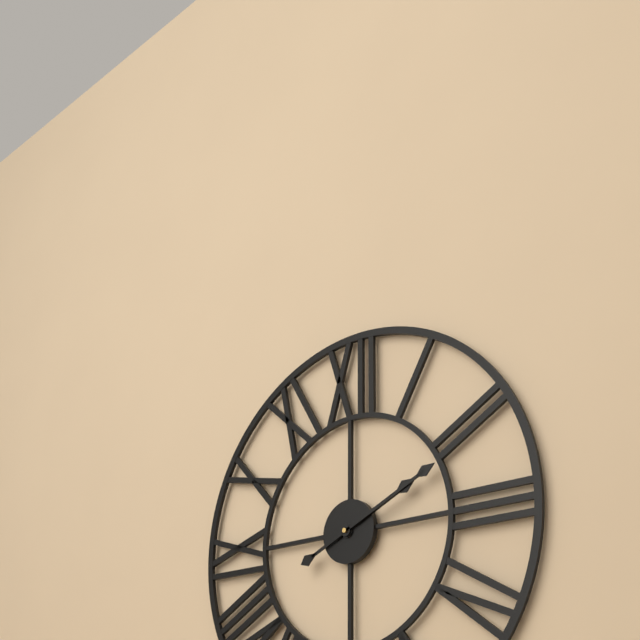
2:11
